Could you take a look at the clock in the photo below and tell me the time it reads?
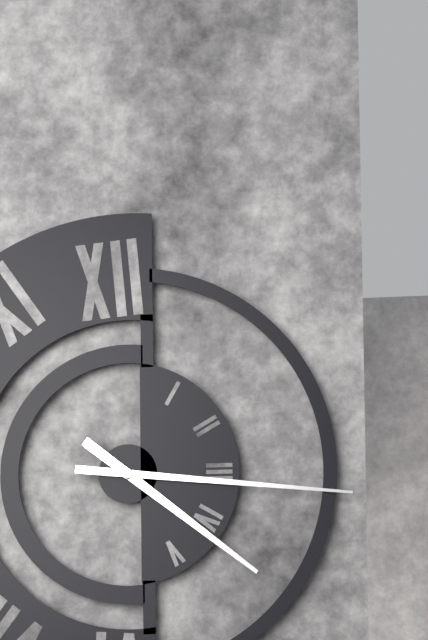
4:16
